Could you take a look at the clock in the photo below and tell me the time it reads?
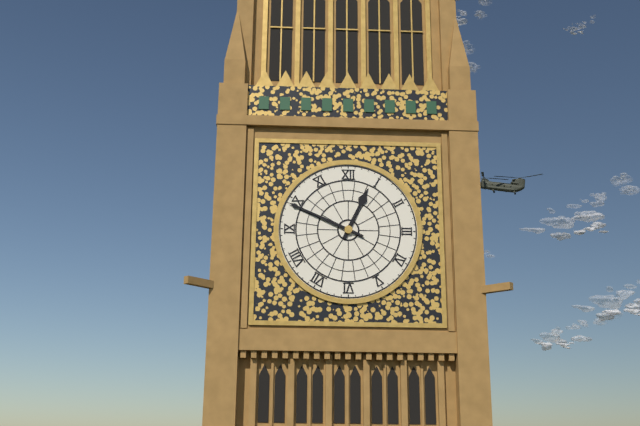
12:49
